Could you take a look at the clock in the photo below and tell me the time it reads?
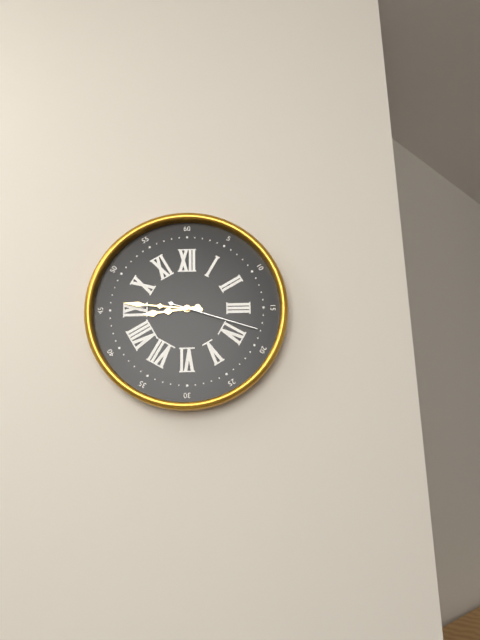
8:46:18
